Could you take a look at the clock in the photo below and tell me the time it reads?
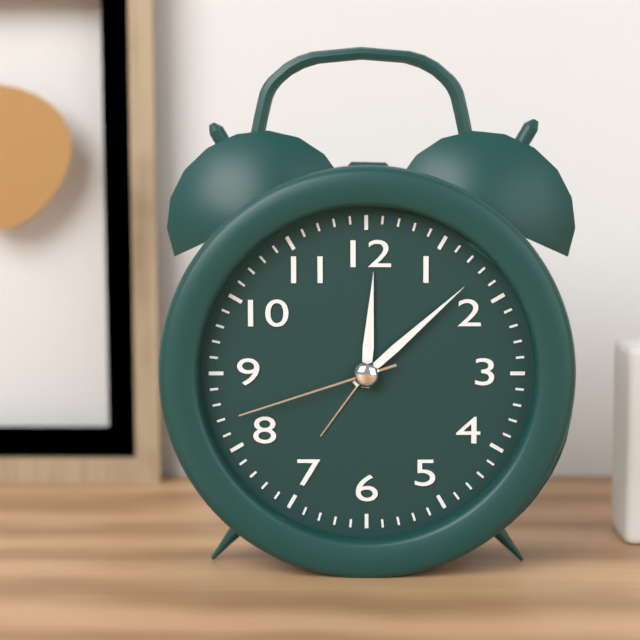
12:08:42
